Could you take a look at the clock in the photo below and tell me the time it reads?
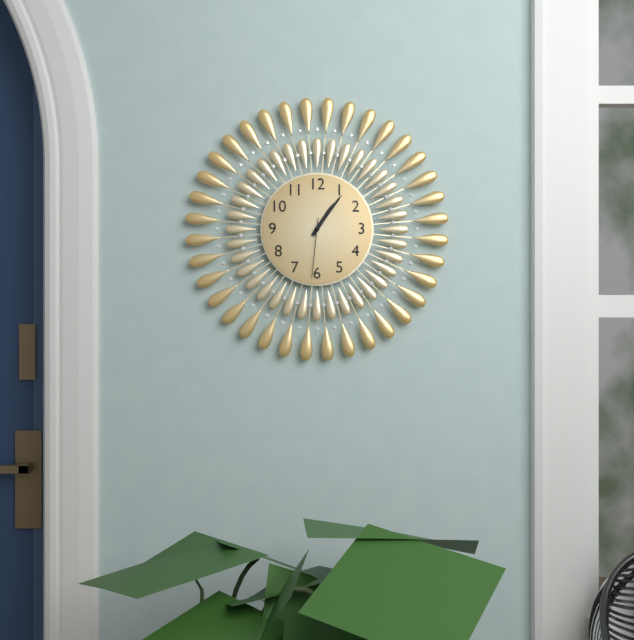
1:06:31
